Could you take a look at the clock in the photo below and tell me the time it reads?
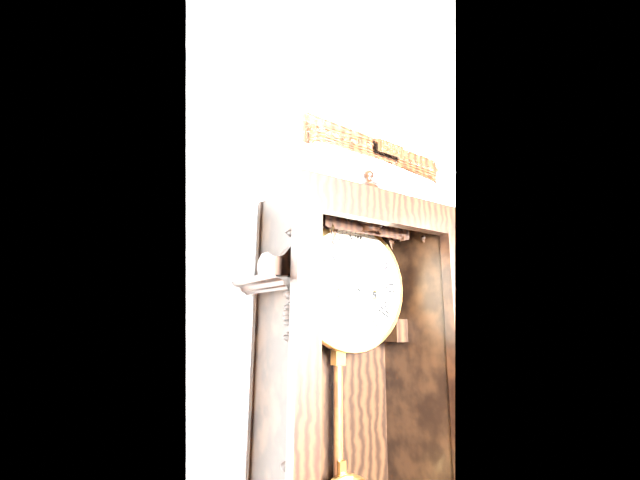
10:52
